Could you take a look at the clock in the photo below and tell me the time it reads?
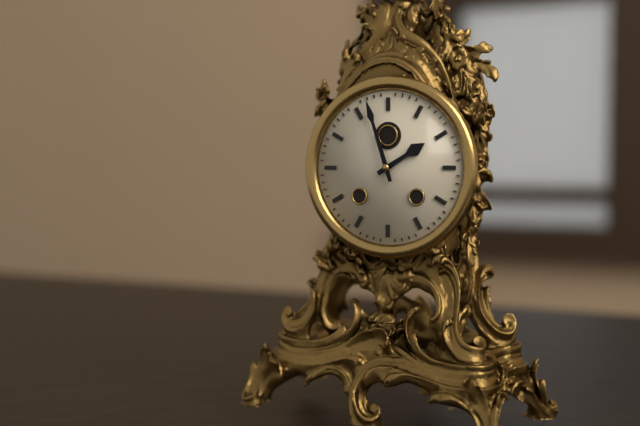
1:57
